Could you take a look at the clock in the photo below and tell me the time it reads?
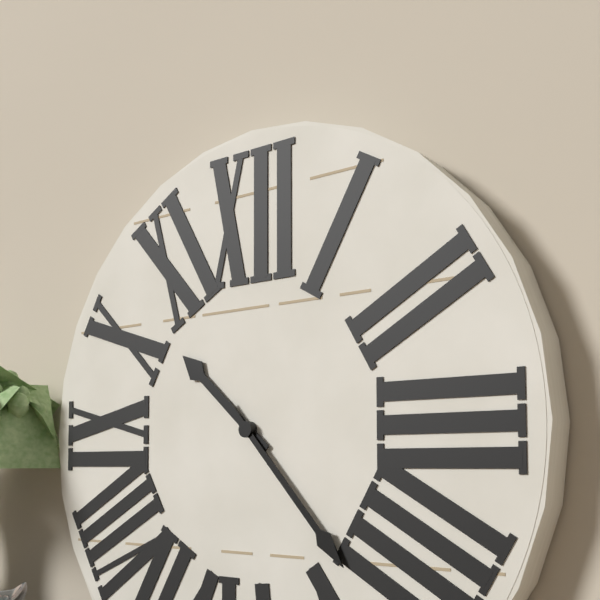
10:23
